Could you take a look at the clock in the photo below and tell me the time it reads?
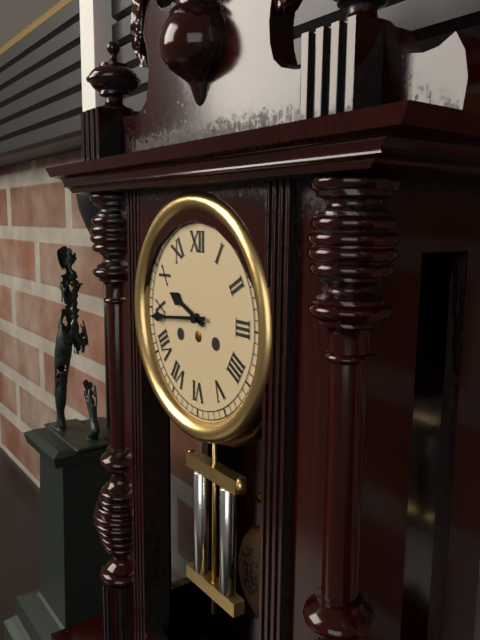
9:44
